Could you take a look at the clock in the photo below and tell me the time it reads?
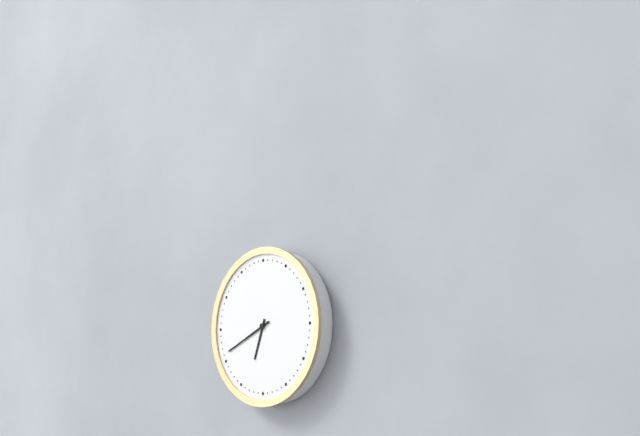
6:41
